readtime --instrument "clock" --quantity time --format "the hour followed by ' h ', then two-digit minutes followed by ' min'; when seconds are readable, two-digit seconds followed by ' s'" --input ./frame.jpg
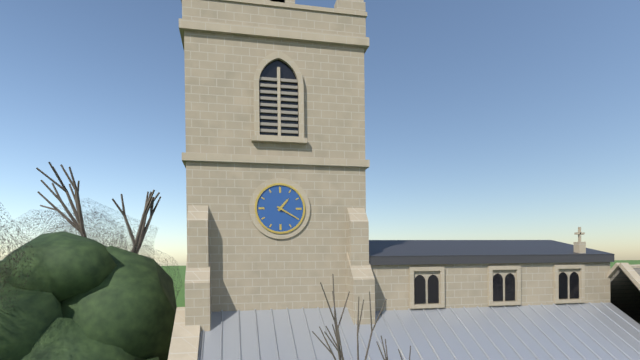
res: 1 h 20 min
